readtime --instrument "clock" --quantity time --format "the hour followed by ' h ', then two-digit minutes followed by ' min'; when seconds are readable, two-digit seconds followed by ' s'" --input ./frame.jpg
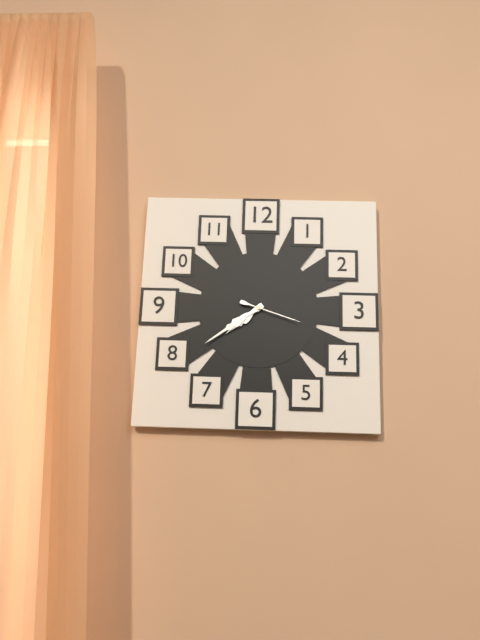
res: 7 h 39 min 18 s
